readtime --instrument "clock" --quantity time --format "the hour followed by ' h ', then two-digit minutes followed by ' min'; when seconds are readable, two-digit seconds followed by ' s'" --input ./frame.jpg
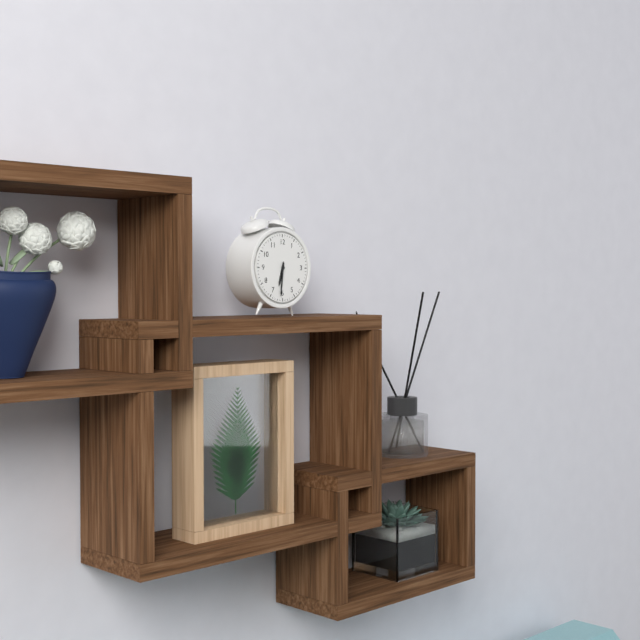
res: 6 h 31 min
